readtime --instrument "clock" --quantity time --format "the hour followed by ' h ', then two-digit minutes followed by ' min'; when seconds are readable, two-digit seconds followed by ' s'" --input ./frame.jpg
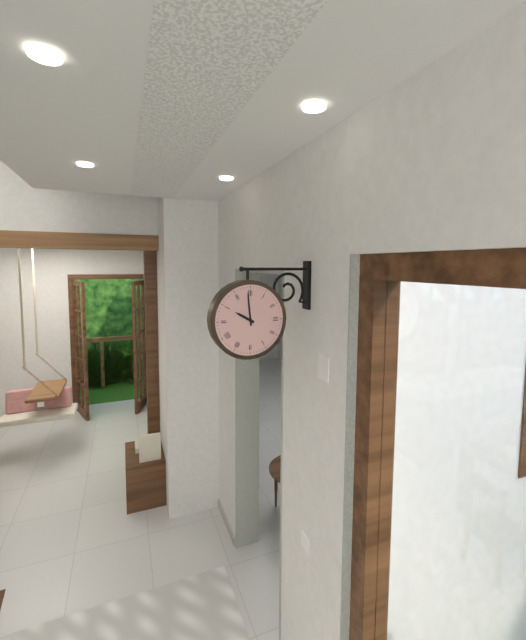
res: 9 h 59 min
